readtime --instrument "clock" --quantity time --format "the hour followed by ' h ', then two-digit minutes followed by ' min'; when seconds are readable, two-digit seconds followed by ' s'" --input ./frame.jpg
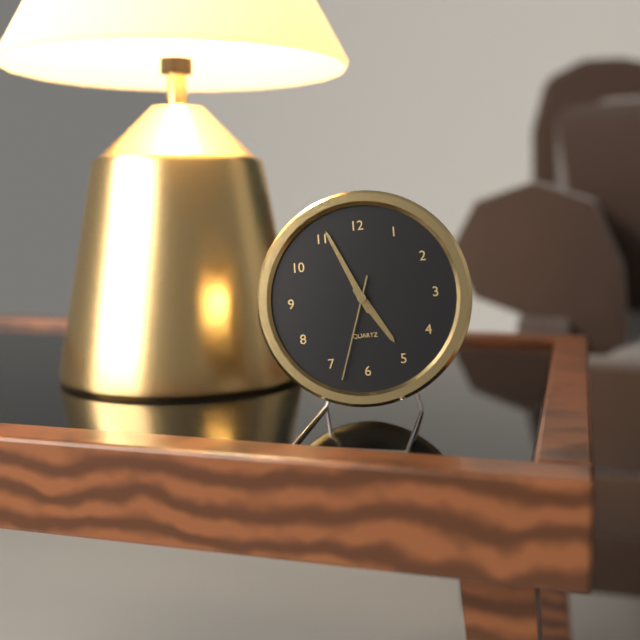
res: 4 h 56 min 33 s
